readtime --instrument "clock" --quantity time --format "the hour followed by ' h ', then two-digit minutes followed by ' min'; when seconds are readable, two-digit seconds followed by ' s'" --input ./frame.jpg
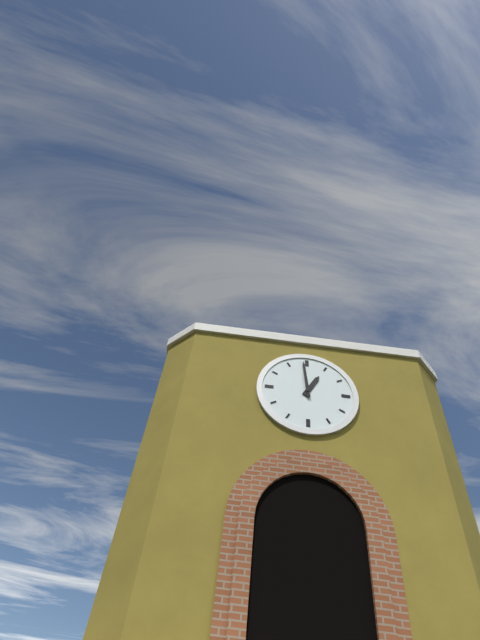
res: 12 h 59 min
